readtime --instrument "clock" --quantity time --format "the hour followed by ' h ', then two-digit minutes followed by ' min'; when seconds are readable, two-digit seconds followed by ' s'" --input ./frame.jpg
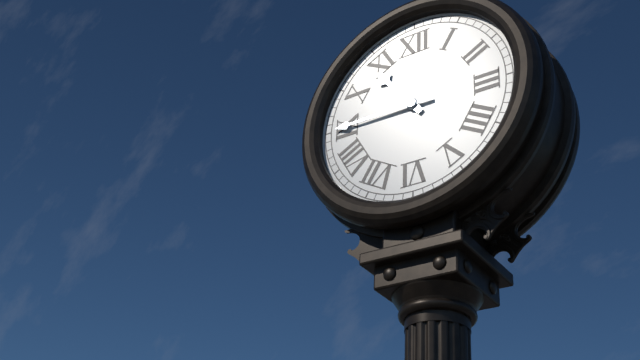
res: 10 h 45 min
